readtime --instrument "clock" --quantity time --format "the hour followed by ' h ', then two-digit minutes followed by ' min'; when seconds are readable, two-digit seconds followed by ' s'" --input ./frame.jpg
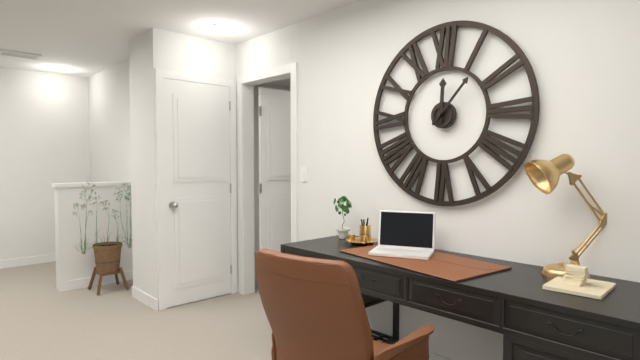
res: 12 h 07 min
